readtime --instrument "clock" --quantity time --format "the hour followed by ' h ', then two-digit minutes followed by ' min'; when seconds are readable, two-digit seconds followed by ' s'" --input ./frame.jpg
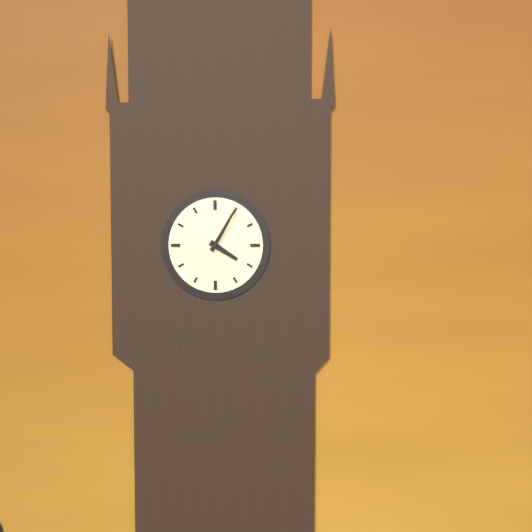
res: 4 h 05 min
